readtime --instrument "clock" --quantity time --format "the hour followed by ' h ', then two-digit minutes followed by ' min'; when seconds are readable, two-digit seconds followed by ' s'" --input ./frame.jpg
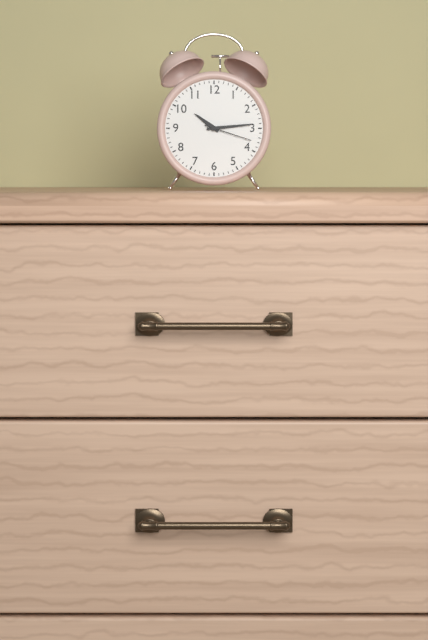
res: 10 h 14 min
